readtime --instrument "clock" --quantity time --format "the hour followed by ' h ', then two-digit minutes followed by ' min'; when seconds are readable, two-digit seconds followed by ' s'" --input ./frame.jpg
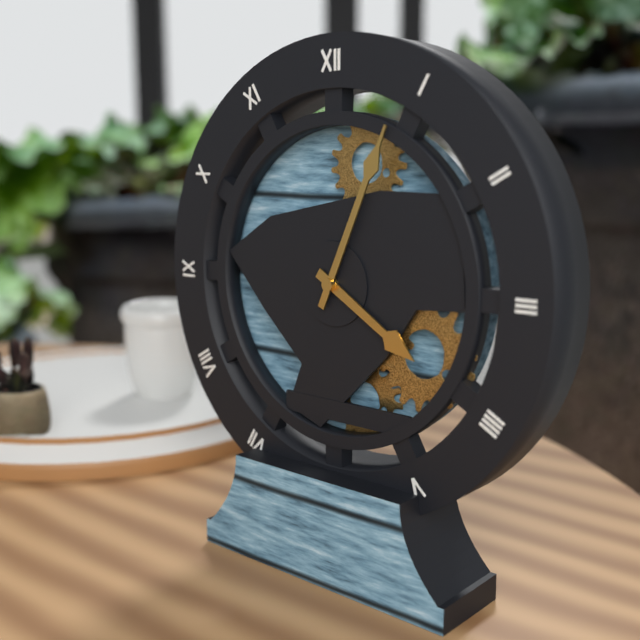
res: 4 h 04 min
